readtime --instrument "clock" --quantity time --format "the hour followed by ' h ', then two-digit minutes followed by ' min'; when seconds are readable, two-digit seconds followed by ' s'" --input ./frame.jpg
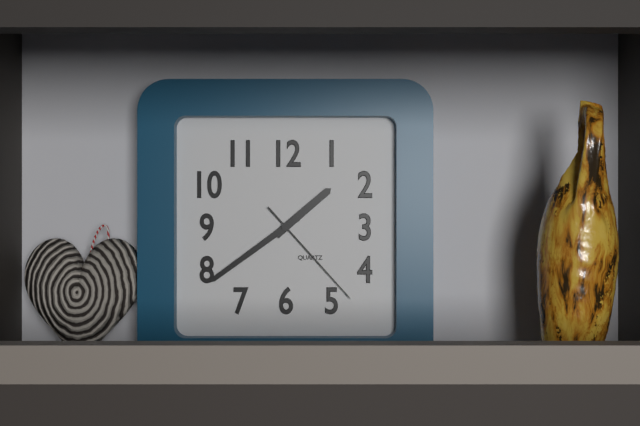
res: 1 h 39 min 23 s
